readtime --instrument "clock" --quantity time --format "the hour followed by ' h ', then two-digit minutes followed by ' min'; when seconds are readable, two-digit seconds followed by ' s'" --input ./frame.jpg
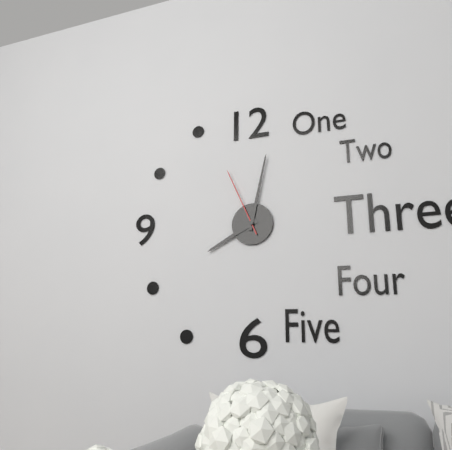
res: 8 h 02 min 56 s
